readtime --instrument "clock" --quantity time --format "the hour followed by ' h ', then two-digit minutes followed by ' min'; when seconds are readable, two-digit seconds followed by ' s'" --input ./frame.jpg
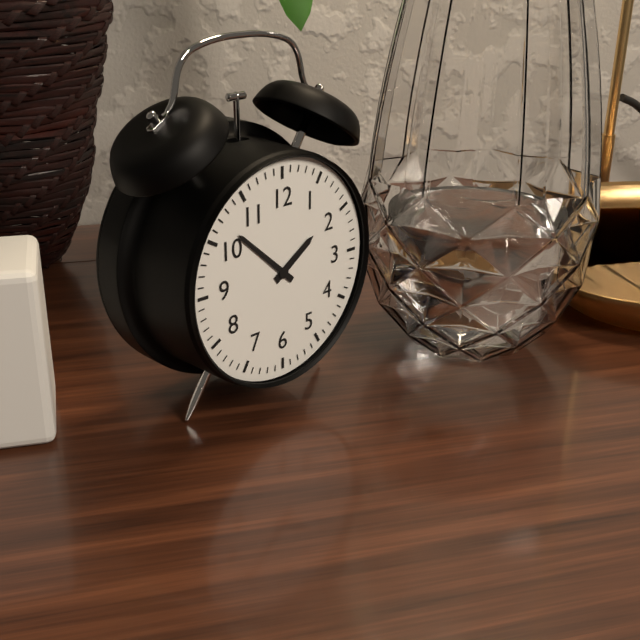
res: 1 h 52 min
